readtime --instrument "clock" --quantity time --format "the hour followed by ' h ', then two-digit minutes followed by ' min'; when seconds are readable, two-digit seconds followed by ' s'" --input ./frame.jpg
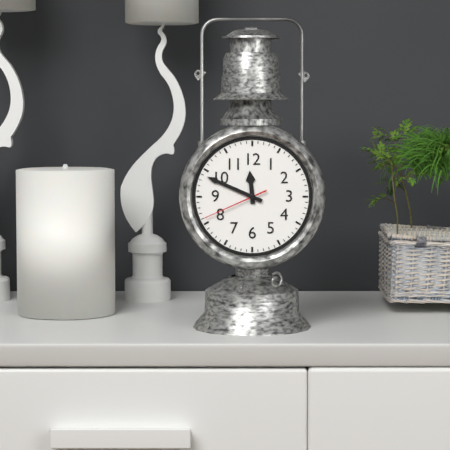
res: 11 h 49 min 41 s
